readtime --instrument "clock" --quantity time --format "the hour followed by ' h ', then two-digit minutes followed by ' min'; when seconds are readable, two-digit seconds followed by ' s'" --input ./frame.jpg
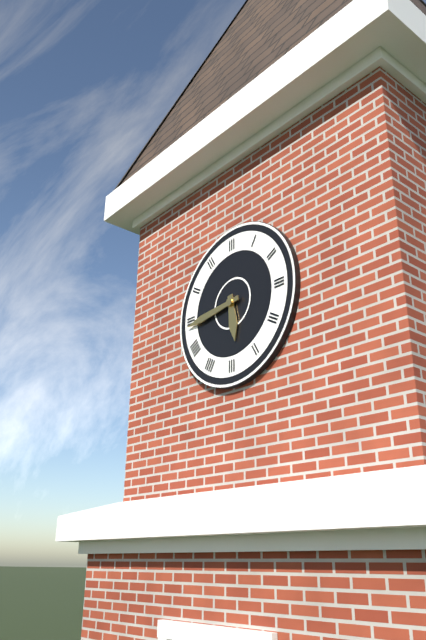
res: 5 h 44 min
